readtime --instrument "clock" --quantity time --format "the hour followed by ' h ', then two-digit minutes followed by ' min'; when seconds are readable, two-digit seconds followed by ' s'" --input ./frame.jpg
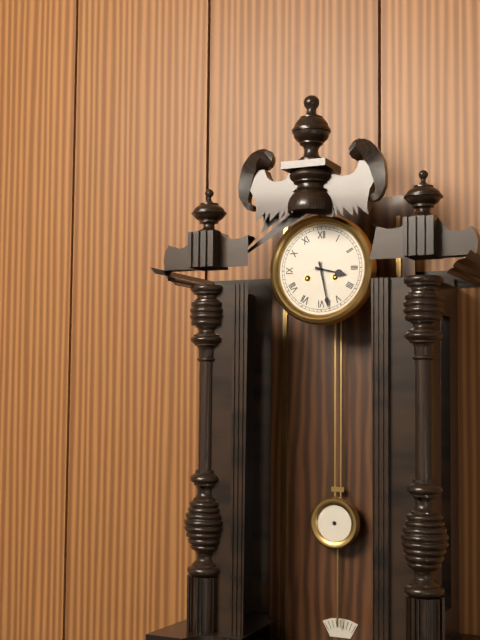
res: 3 h 28 min
